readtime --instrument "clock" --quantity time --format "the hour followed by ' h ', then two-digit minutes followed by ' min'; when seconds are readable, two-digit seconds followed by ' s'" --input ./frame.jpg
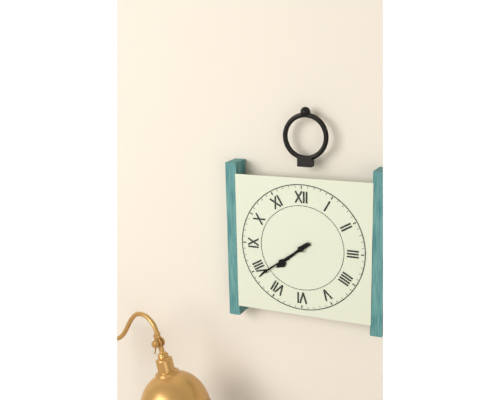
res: 7 h 39 min
